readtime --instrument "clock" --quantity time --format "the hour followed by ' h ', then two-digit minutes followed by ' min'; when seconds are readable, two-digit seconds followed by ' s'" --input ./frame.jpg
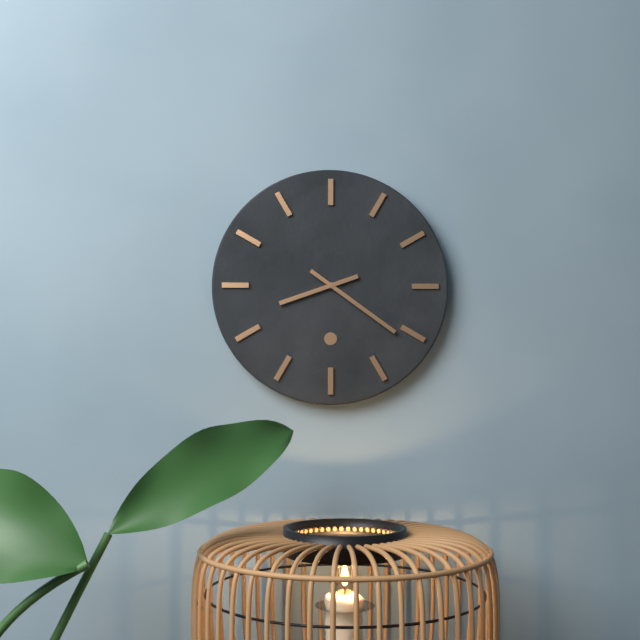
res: 8 h 21 min
